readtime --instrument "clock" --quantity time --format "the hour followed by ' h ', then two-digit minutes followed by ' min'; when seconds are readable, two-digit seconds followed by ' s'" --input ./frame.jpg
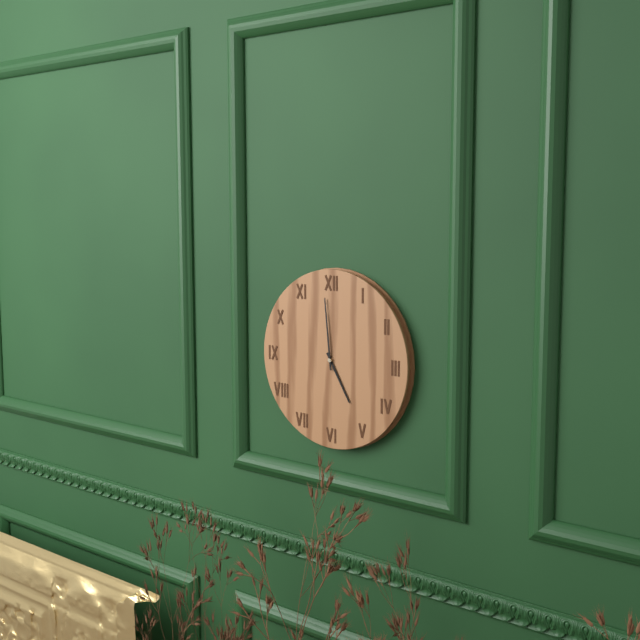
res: 4 h 59 min
